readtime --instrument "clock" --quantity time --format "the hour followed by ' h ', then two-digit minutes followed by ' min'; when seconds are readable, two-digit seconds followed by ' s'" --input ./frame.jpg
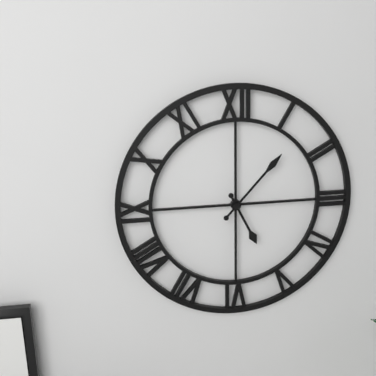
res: 5 h 07 min
